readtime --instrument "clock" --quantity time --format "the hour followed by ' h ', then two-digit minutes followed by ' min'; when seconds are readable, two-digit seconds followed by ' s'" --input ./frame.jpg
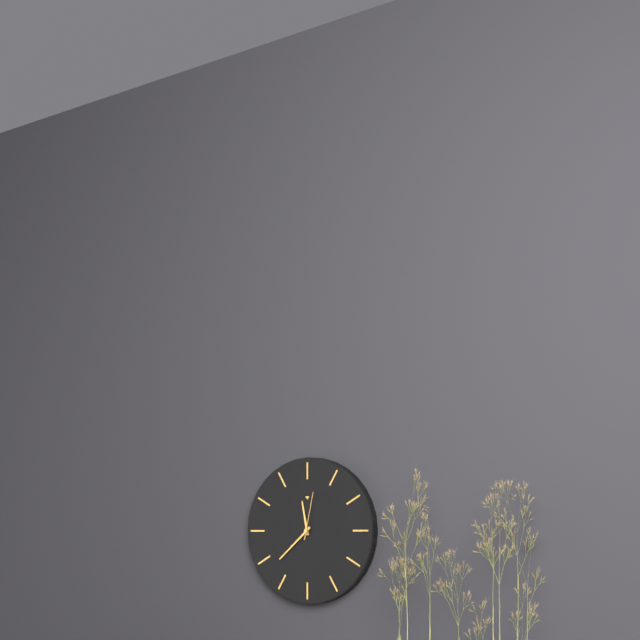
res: 11 h 38 min
